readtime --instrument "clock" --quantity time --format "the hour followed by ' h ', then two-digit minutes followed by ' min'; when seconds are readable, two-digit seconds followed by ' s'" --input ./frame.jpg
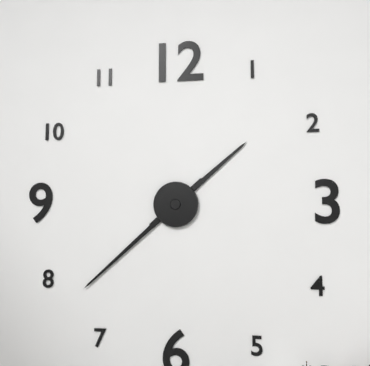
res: 1 h 38 min
